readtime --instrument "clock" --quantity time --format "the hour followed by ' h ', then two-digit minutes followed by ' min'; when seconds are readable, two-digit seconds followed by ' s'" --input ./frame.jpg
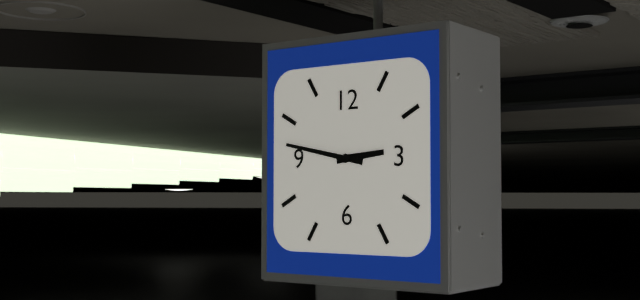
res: 2 h 47 min
